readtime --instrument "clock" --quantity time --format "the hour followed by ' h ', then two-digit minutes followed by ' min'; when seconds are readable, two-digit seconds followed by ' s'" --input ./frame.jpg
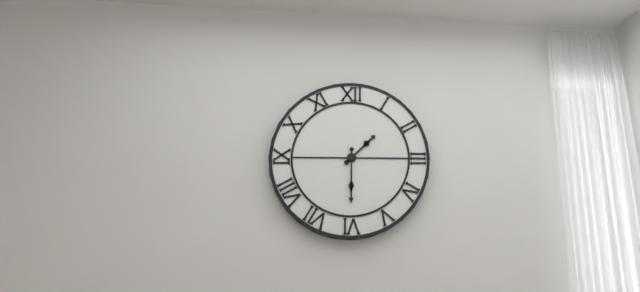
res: 1 h 30 min
